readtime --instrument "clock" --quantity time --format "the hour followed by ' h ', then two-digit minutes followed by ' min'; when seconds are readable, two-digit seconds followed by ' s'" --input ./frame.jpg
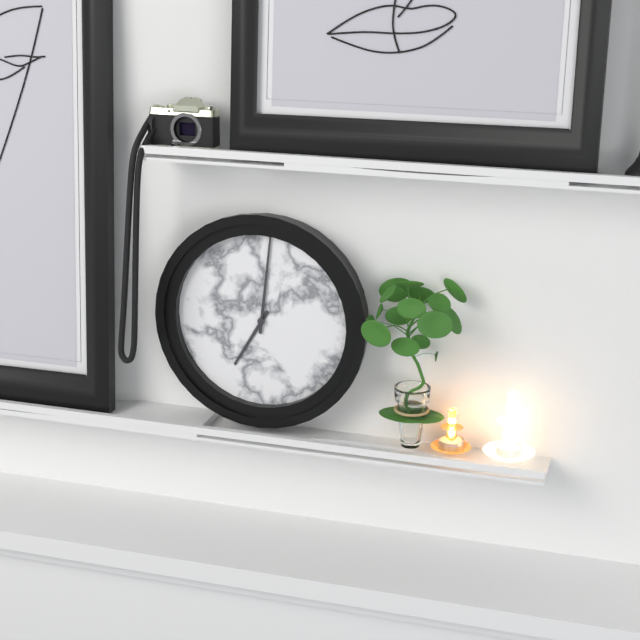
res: 7 h 01 min
